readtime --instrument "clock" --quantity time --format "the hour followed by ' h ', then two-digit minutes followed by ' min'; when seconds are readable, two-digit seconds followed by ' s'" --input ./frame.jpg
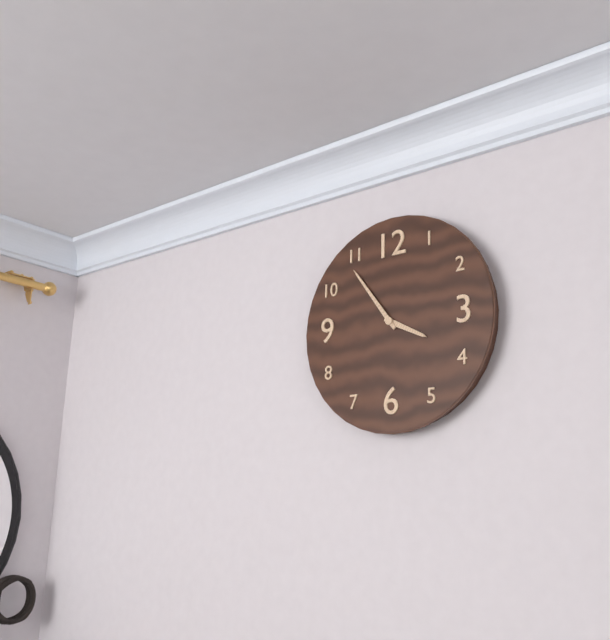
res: 3 h 54 min
